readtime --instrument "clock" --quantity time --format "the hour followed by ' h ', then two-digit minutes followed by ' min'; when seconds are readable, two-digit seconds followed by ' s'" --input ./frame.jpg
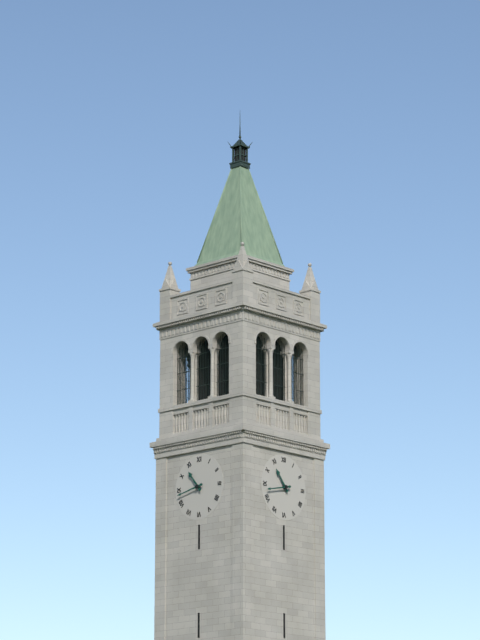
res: 10 h 43 min
